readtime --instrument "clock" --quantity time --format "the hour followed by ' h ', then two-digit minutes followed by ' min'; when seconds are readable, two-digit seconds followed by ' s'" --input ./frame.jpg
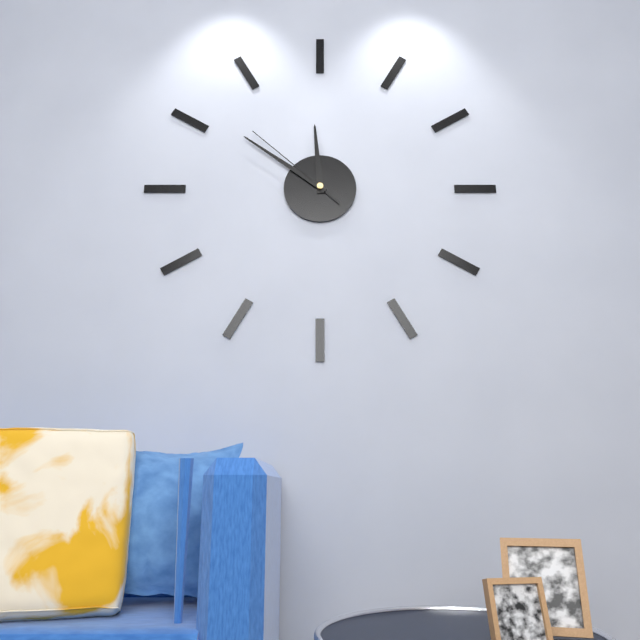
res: 11 h 51 min 52 s
